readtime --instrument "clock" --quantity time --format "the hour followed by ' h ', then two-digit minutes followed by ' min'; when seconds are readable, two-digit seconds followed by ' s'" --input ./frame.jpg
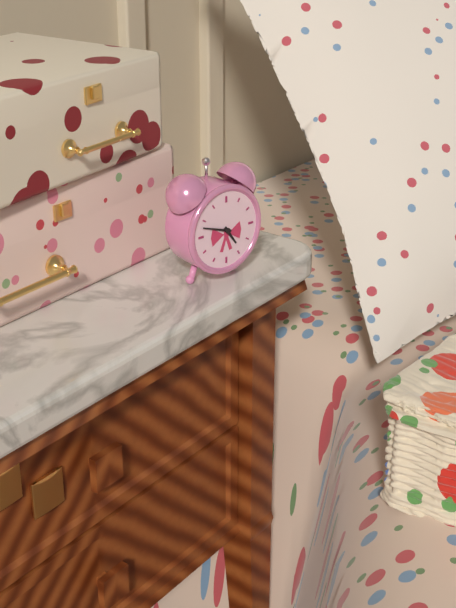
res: 4 h 48 min
